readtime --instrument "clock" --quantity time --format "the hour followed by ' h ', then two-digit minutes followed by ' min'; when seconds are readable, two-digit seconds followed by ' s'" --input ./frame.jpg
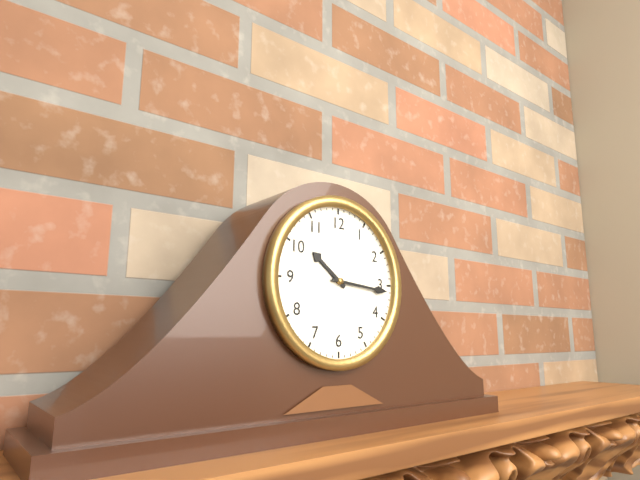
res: 10 h 16 min
